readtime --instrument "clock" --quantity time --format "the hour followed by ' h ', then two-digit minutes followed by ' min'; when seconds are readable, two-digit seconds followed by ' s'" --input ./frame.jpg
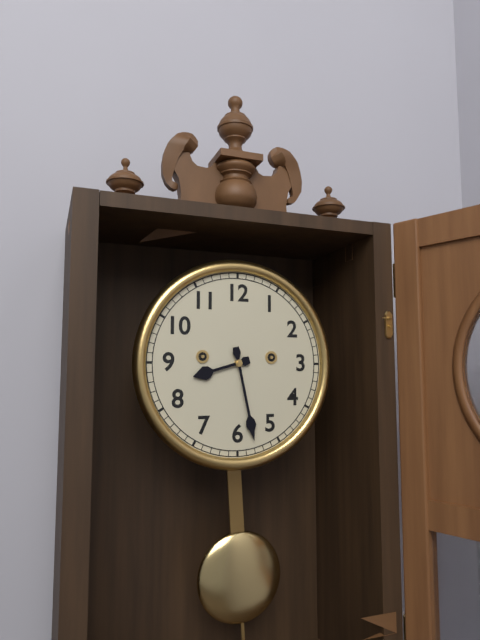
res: 8 h 28 min
